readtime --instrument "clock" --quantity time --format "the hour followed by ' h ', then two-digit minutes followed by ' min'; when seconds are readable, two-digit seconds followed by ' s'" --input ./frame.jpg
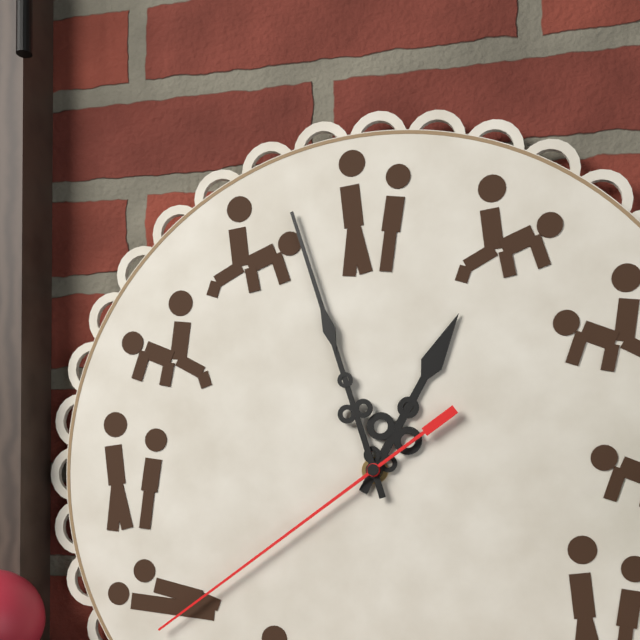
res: 12 h 57 min 39 s
